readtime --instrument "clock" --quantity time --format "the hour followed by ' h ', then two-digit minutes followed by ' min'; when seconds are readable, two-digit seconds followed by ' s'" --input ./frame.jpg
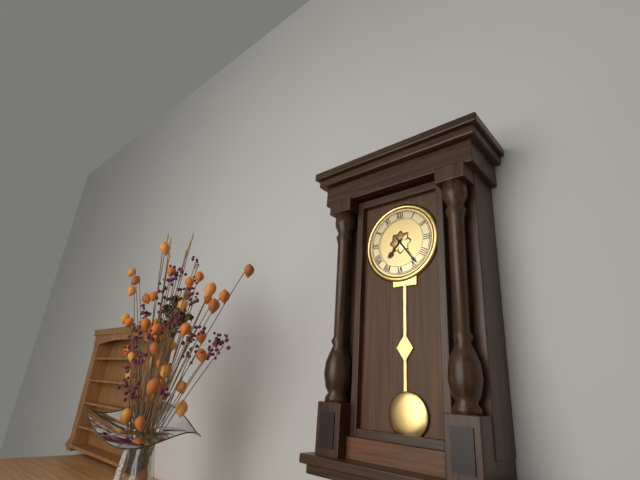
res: 7 h 24 min
